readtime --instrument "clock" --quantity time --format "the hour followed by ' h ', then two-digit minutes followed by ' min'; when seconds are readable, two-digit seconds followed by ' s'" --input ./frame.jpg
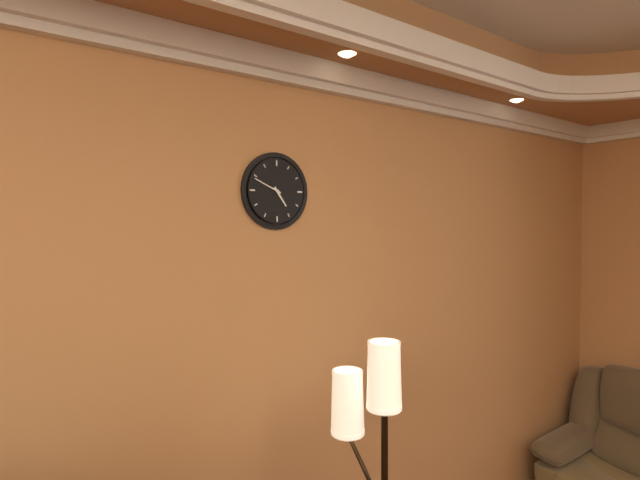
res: 4 h 49 min
